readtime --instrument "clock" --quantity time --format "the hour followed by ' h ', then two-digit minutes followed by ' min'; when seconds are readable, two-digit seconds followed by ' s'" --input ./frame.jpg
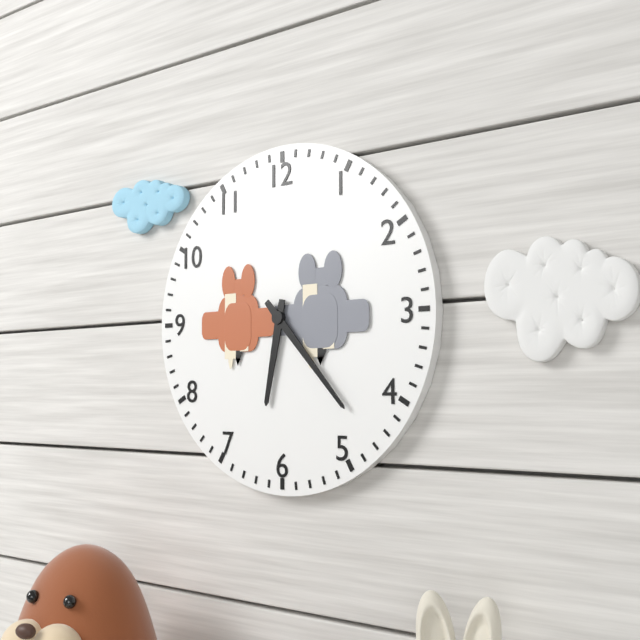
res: 6 h 23 min
